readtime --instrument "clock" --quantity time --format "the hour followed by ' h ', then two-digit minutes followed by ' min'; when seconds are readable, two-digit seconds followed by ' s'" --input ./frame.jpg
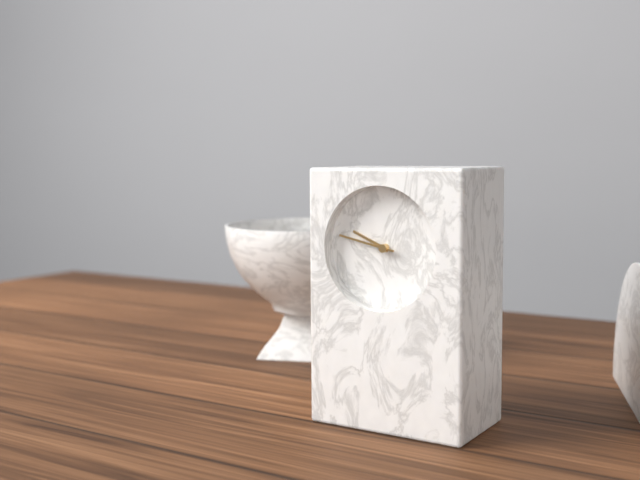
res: 9 h 47 min
